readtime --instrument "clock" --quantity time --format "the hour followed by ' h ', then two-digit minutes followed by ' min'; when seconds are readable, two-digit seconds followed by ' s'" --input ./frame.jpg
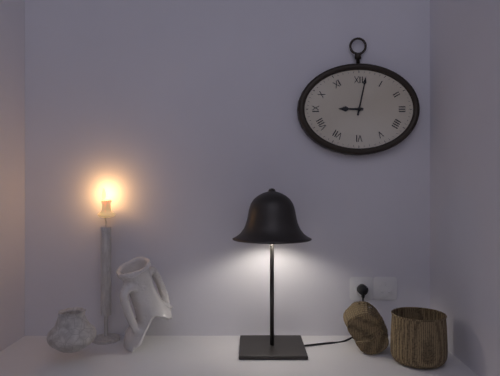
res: 9 h 02 min
